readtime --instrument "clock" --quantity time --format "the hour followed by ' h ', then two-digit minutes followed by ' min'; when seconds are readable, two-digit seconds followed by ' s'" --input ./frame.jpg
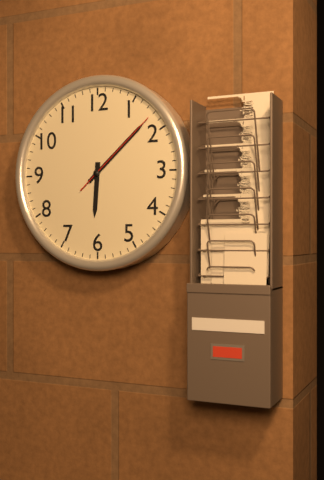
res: 6 h 08 min 08 s
